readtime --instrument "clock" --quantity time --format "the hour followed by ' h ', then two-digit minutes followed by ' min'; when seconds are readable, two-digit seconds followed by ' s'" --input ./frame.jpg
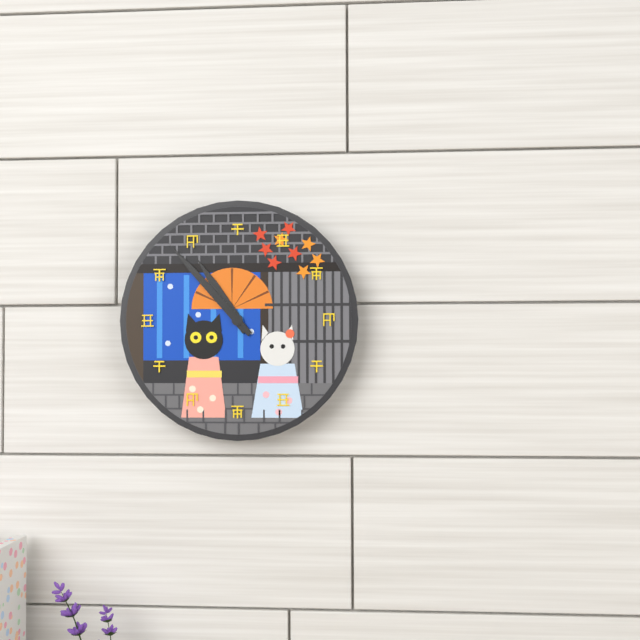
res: 10 h 53 min
